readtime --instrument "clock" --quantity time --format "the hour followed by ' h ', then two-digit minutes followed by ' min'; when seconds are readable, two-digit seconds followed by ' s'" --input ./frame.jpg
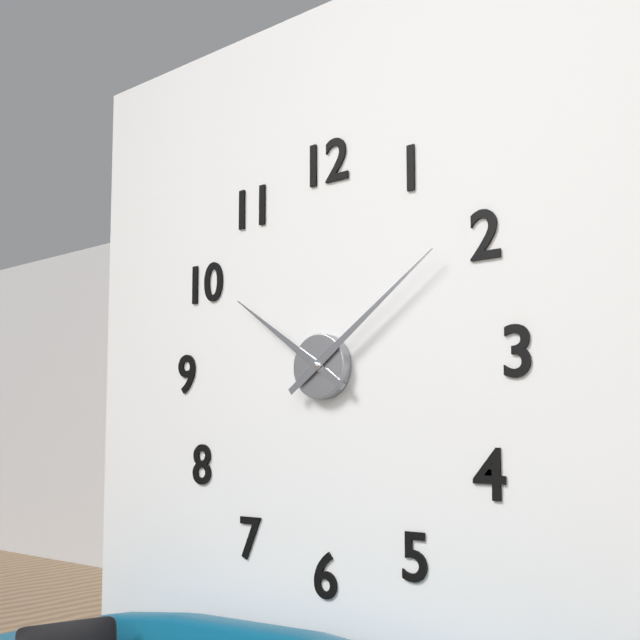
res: 10 h 09 min
